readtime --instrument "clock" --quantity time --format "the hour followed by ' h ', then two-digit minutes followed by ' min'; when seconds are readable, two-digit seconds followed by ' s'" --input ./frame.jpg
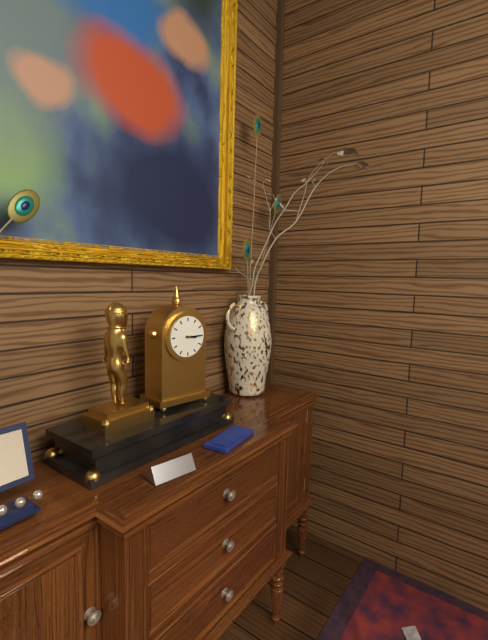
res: 3 h 15 min
